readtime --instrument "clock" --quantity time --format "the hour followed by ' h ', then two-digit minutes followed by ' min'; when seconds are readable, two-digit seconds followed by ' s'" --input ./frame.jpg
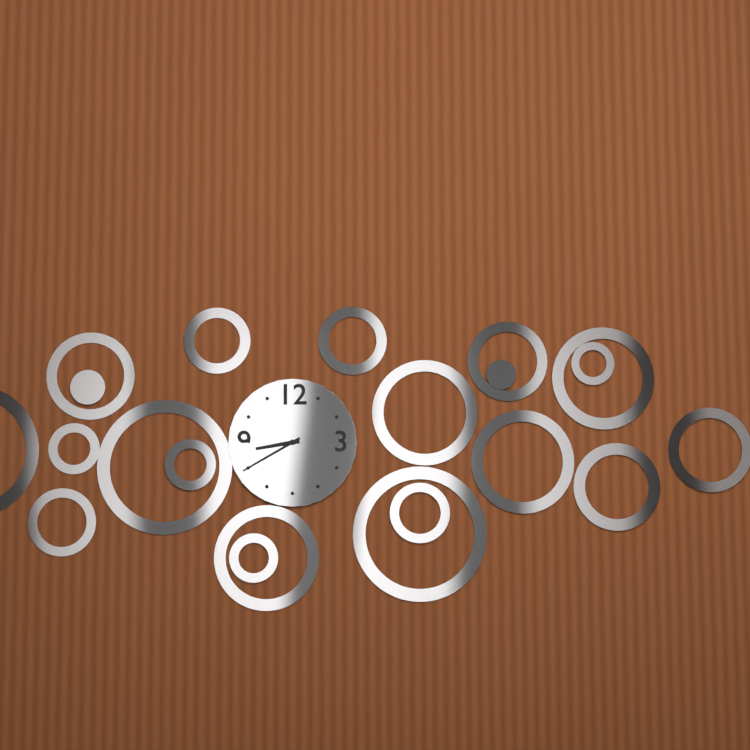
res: 8 h 40 min
